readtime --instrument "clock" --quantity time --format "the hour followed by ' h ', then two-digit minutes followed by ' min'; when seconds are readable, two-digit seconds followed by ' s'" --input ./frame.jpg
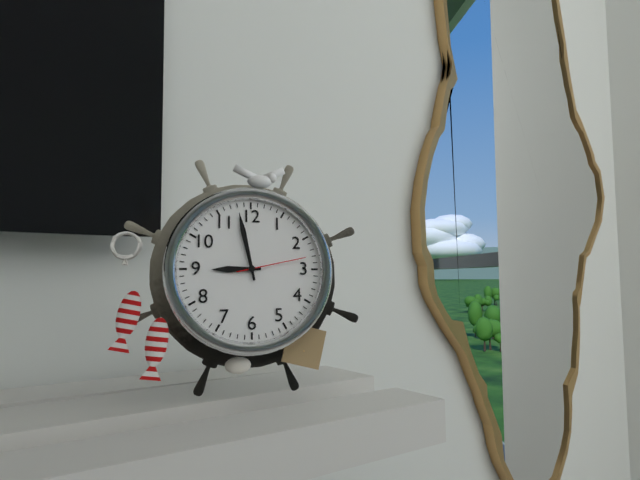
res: 8 h 58 min 13 s
